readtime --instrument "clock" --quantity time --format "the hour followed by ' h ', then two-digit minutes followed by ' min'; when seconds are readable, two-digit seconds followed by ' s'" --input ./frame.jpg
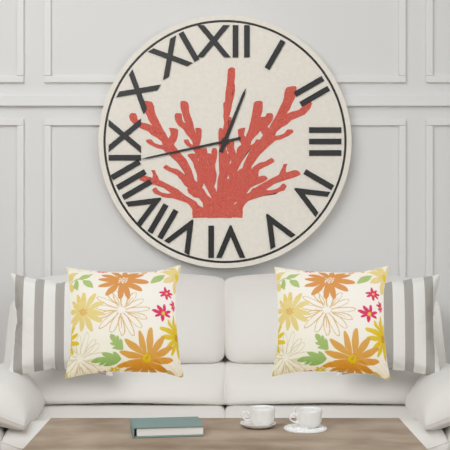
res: 12 h 43 min
